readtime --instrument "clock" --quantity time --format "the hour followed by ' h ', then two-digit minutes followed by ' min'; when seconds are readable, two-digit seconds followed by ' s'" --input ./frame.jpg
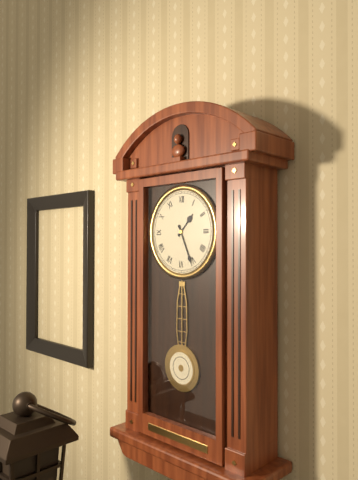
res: 1 h 26 min
